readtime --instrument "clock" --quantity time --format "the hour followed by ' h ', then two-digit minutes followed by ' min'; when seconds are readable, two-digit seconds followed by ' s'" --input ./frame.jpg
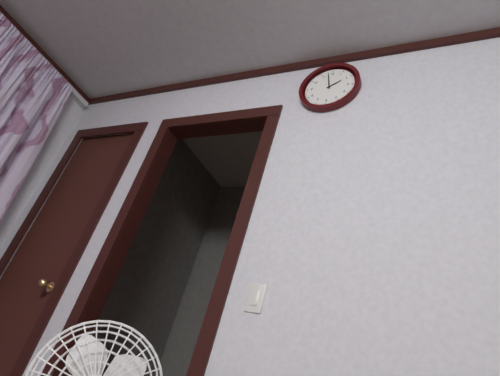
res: 1 h 58 min
